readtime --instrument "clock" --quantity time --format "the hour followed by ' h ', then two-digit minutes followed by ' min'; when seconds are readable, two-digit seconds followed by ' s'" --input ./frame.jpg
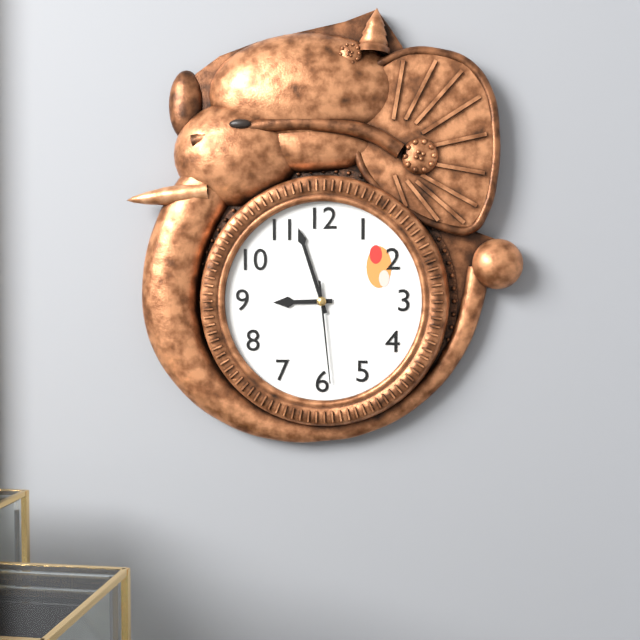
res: 8 h 57 min 29 s
